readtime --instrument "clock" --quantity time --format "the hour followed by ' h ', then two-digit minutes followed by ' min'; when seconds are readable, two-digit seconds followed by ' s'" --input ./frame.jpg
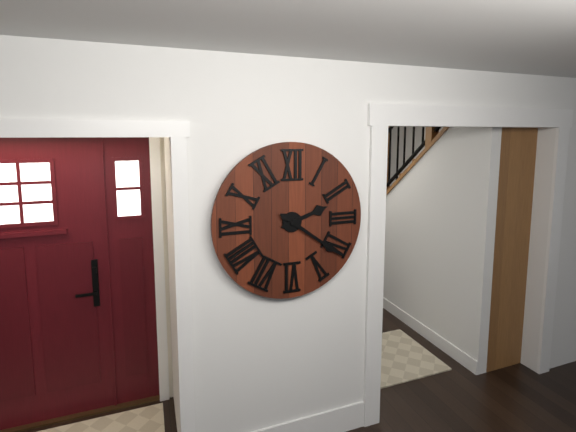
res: 2 h 21 min
